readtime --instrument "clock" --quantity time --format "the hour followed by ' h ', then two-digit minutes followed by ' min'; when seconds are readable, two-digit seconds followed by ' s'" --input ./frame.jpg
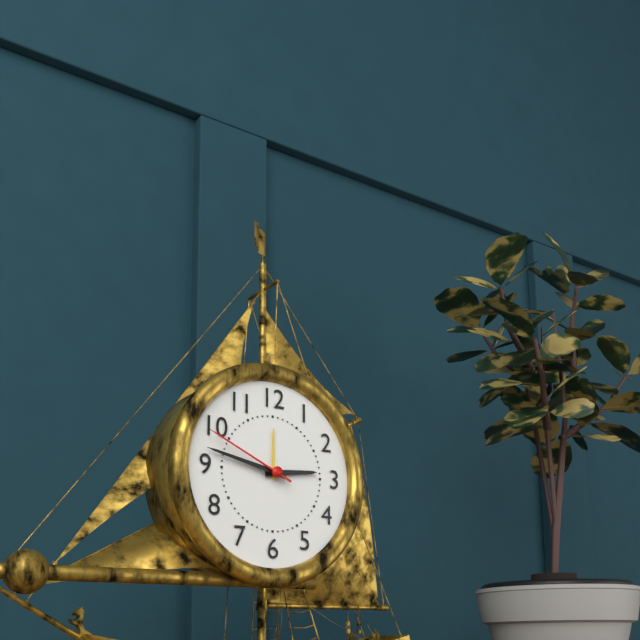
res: 2 h 47 min 49 s
